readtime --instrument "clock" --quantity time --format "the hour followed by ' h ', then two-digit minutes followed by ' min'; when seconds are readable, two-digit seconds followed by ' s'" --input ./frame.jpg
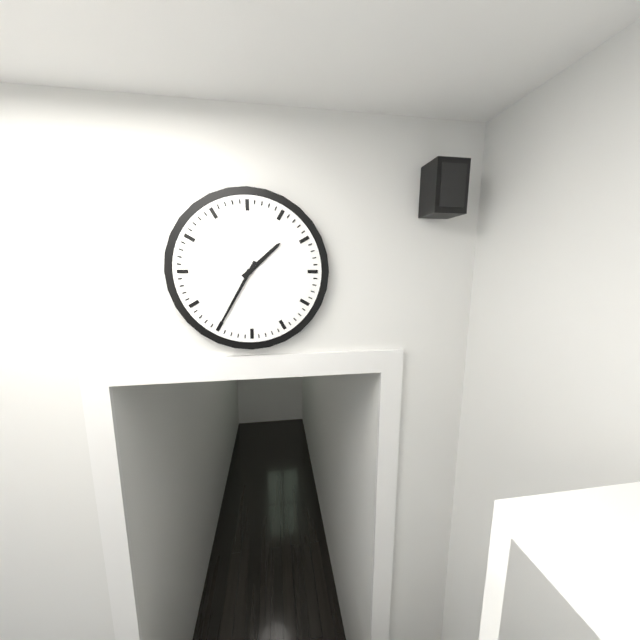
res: 1 h 35 min
